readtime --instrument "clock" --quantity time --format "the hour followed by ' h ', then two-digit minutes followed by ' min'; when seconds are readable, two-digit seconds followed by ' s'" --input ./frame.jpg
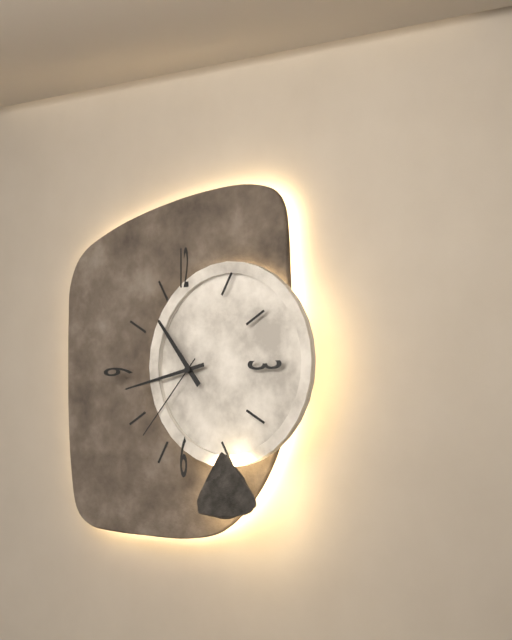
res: 10 h 43 min 37 s
